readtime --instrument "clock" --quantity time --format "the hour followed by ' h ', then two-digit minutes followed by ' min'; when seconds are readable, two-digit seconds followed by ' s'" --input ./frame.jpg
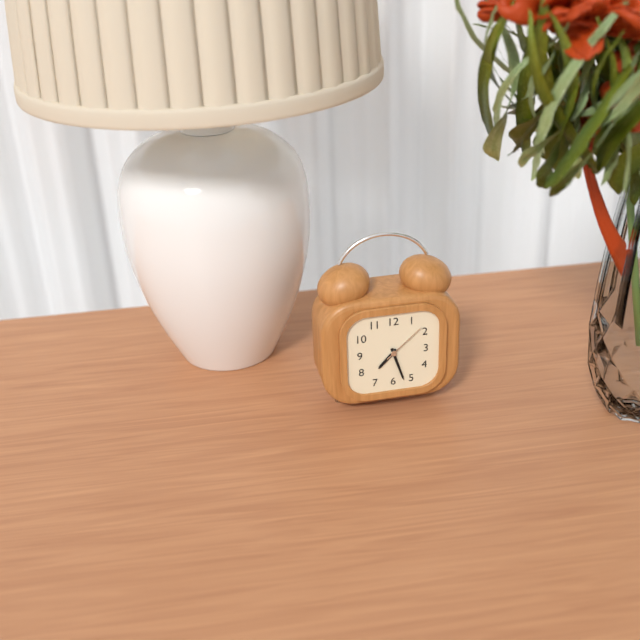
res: 7 h 27 min
